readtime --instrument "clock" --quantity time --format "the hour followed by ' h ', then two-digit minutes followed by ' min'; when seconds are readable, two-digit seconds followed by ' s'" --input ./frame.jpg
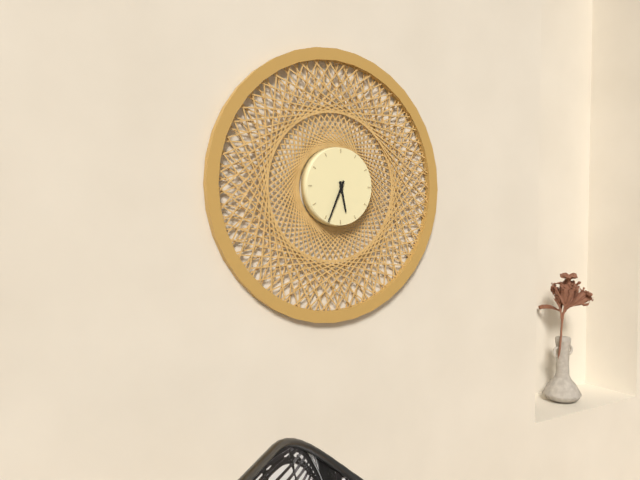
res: 5 h 34 min
